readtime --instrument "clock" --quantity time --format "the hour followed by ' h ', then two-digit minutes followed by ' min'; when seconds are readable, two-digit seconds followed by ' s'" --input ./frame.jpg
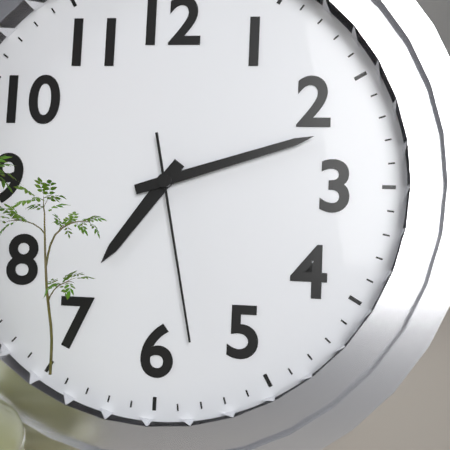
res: 7 h 12 min 28 s
